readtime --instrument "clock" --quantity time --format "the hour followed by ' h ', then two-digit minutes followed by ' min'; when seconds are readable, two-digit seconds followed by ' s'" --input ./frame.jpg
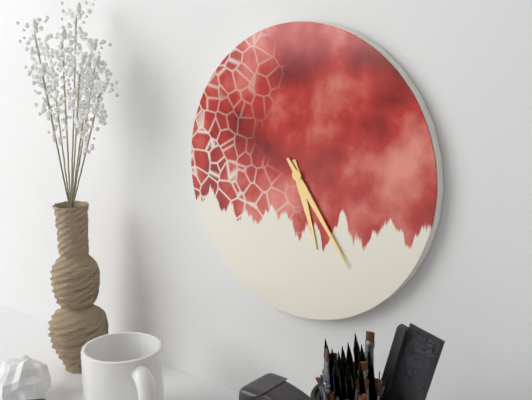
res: 5 h 24 min
